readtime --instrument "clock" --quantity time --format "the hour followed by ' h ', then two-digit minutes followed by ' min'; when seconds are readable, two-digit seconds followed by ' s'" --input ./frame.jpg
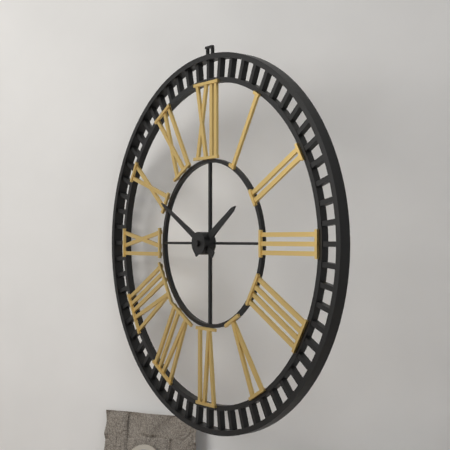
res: 1 h 50 min
